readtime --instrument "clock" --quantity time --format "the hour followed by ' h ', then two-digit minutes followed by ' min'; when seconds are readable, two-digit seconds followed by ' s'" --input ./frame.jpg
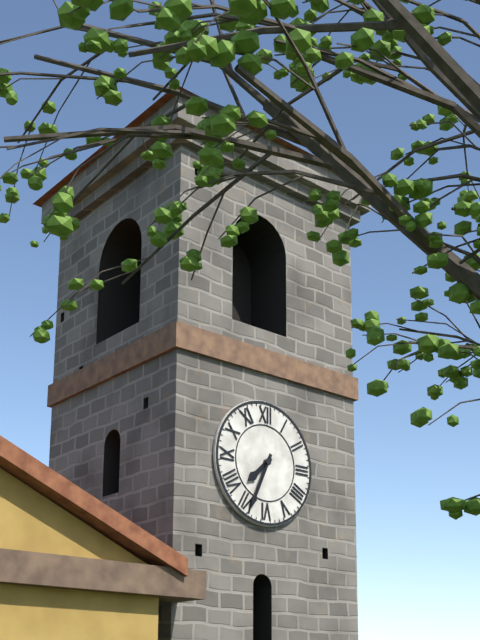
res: 7 h 34 min
